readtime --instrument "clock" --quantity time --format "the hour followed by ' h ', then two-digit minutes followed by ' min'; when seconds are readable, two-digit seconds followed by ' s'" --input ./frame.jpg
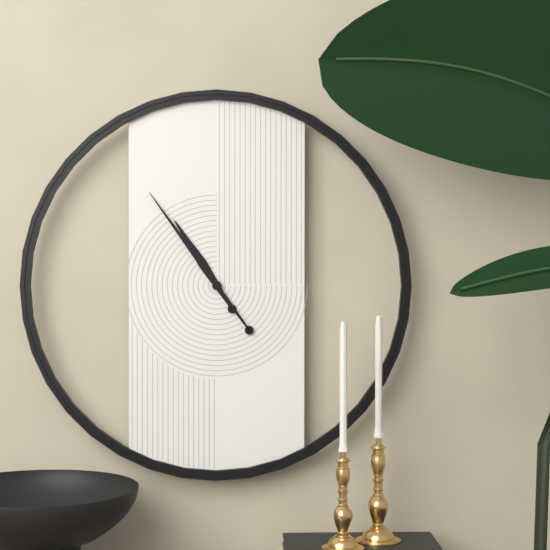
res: 10 h 54 min
